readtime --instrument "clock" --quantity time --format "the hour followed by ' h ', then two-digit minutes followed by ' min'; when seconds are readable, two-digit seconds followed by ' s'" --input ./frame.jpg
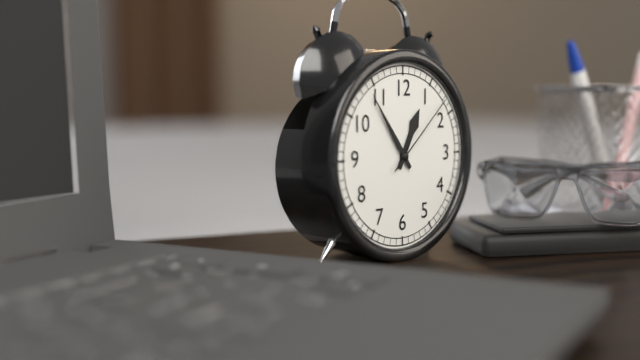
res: 12 h 54 min 08 s
